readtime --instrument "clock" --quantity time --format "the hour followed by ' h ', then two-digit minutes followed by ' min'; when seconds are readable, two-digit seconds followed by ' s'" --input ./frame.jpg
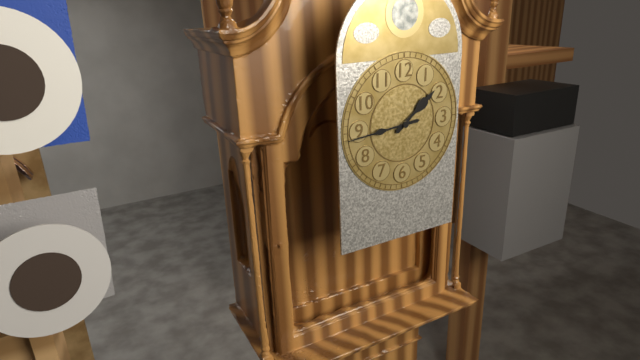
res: 1 h 44 min
